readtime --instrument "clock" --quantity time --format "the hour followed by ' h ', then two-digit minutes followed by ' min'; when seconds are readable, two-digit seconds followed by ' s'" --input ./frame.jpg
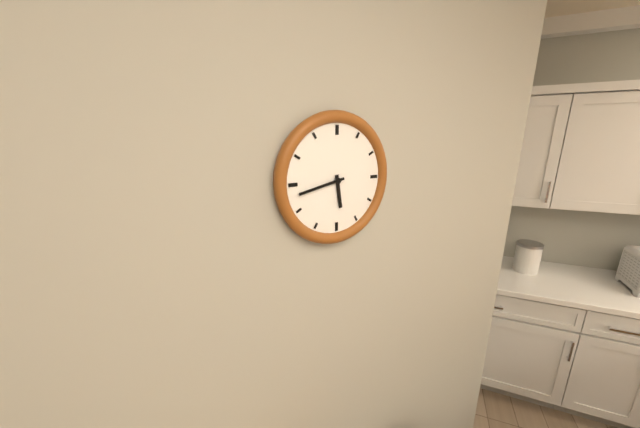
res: 5 h 43 min
